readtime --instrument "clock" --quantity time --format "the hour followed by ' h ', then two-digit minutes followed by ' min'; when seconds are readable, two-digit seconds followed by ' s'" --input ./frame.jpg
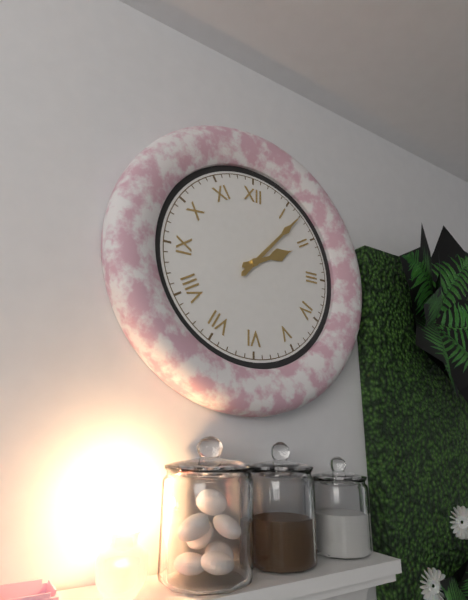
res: 2 h 07 min
